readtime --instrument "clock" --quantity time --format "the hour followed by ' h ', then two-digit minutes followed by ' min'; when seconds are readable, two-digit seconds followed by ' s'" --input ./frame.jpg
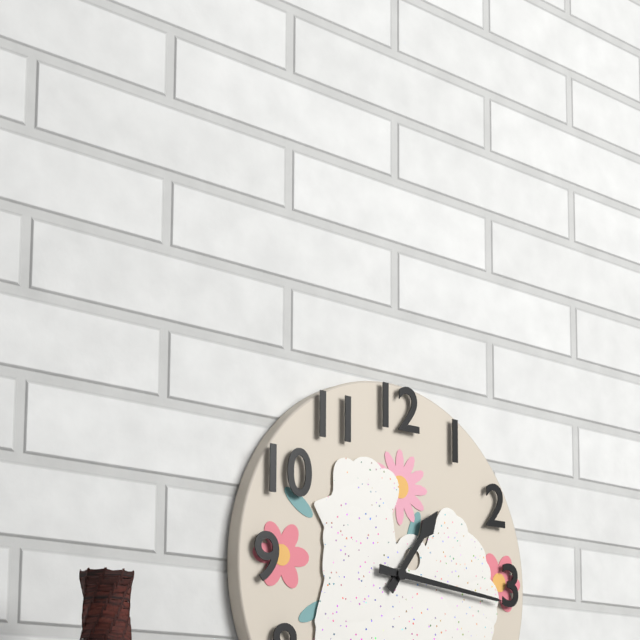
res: 1 h 16 min
